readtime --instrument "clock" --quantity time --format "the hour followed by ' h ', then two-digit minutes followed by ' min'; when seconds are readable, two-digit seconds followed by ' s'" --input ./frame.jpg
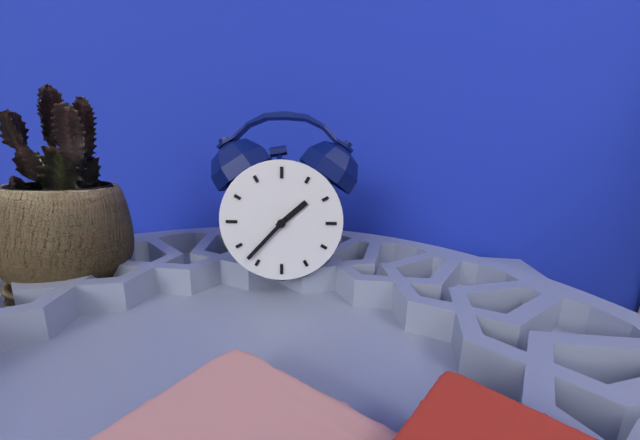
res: 1 h 37 min
